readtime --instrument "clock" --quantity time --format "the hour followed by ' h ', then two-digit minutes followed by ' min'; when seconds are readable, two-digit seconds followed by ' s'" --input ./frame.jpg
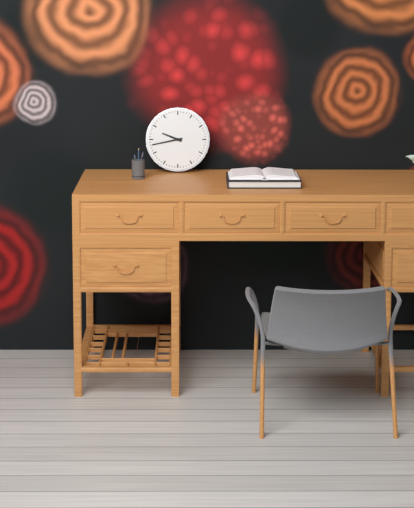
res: 9 h 43 min
